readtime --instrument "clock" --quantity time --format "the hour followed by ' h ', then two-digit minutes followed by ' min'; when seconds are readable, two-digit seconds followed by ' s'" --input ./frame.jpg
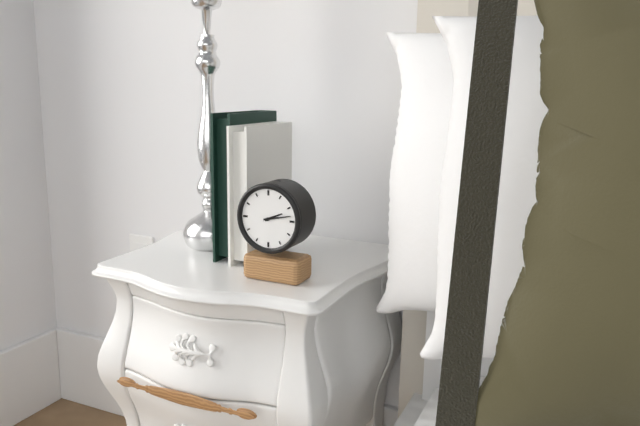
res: 2 h 13 min
